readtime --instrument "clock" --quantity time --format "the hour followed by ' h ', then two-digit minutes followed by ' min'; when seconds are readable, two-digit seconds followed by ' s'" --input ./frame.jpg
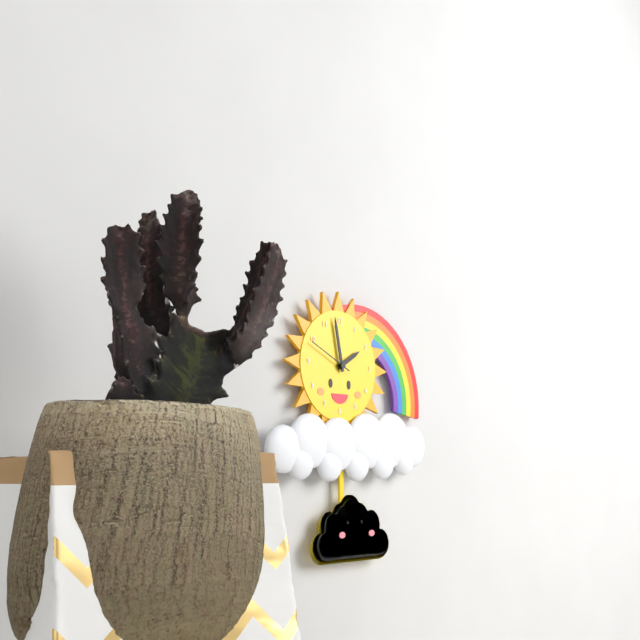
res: 1 h 58 min
